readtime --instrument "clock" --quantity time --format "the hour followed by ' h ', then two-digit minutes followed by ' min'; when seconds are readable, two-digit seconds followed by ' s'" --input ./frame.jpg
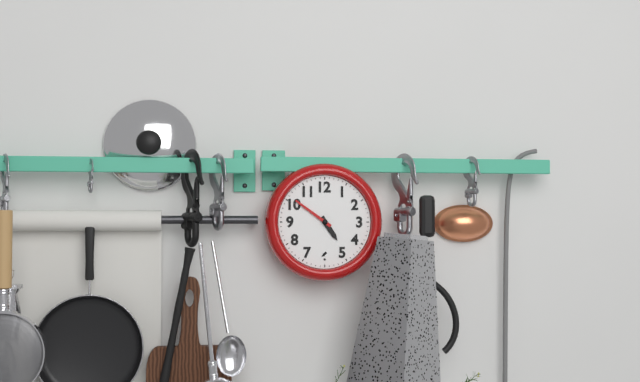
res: 4 h 51 min
